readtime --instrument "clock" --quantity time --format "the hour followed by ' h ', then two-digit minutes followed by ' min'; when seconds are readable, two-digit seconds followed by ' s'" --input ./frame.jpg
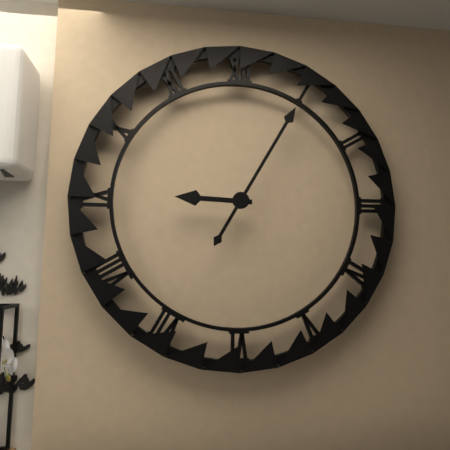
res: 9 h 05 min
